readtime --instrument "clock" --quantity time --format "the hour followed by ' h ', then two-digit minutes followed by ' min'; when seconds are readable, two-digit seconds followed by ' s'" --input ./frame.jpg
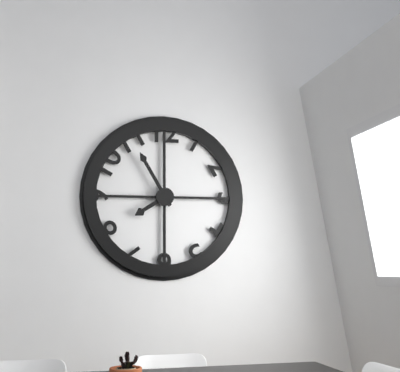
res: 7 h 55 min
